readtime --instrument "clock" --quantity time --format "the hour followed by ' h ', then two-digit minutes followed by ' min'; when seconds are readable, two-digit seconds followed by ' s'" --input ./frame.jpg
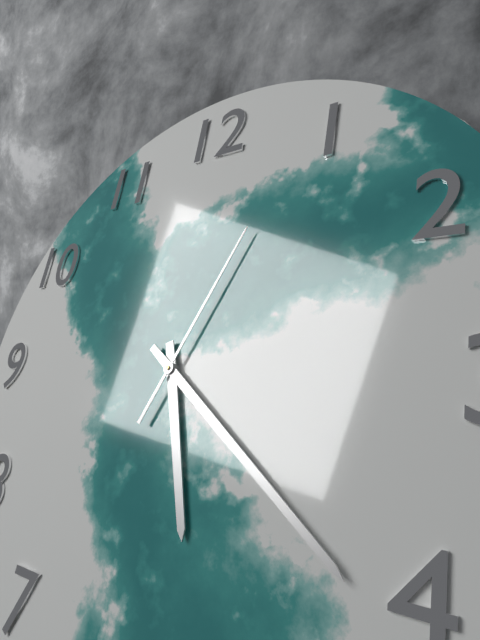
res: 5 h 21 min 04 s
